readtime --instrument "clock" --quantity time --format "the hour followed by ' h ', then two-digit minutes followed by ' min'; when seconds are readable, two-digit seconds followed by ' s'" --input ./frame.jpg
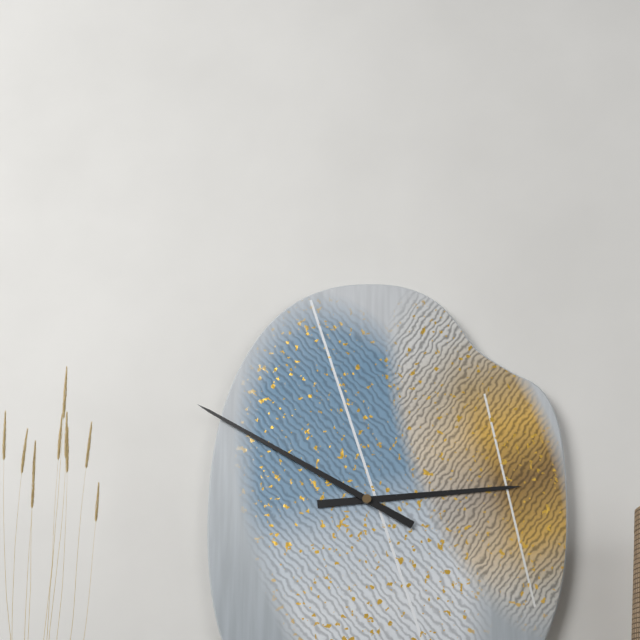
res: 2 h 50 min
